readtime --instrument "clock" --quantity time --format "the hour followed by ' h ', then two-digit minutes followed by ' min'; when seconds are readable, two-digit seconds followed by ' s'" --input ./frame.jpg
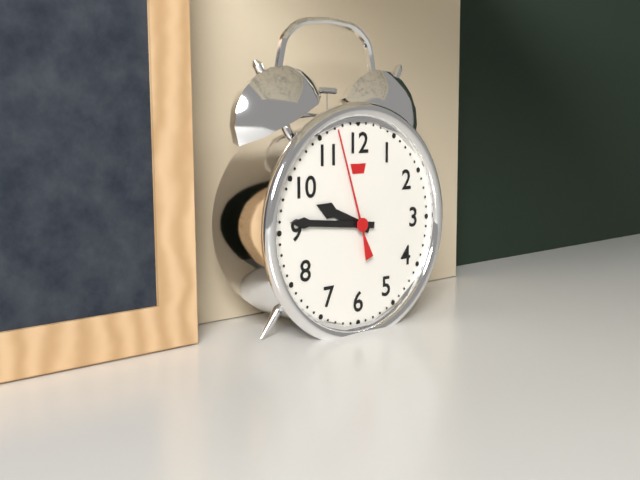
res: 9 h 46 min 57 s
